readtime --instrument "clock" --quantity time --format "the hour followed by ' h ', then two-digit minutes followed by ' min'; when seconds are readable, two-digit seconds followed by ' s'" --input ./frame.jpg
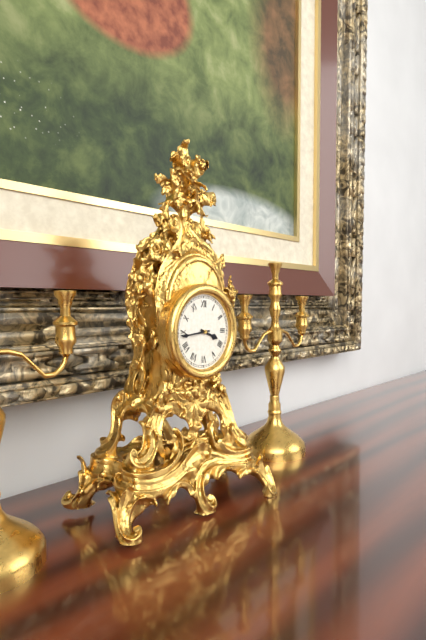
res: 3 h 44 min
